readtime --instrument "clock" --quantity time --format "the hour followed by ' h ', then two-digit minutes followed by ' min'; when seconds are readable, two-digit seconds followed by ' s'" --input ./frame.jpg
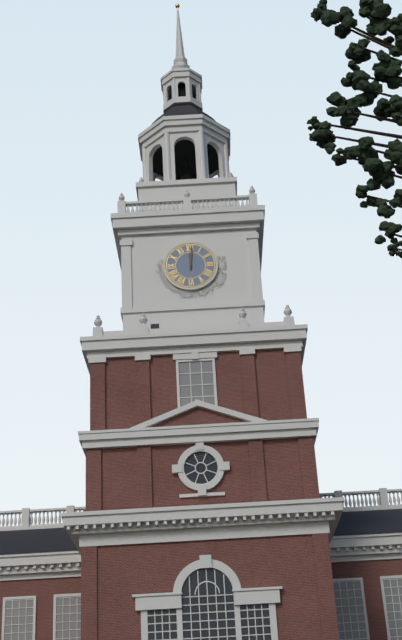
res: 12 h 01 min
